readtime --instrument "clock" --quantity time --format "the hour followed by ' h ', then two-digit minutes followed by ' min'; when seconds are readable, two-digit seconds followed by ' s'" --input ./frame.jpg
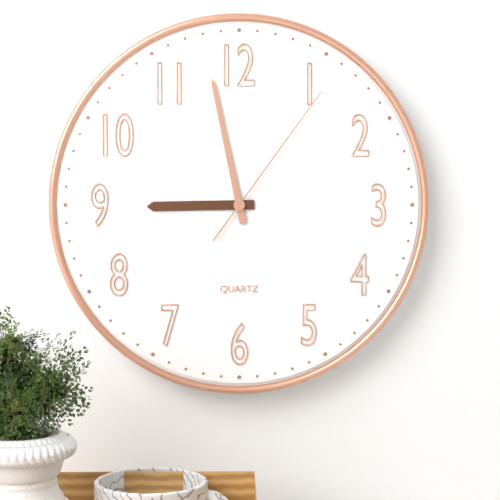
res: 8 h 58 min 06 s
